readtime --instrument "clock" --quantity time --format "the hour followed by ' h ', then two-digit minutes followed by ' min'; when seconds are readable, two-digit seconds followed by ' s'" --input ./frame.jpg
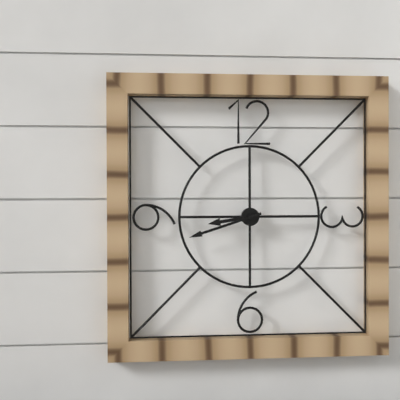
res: 8 h 42 min
